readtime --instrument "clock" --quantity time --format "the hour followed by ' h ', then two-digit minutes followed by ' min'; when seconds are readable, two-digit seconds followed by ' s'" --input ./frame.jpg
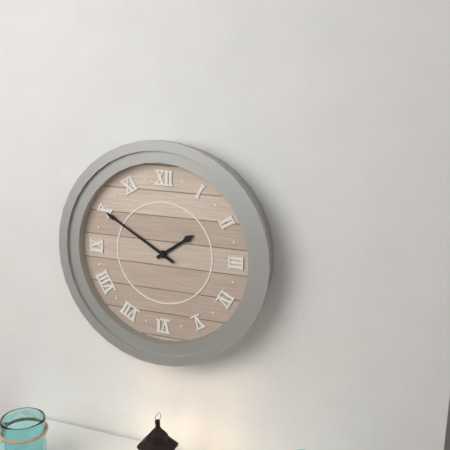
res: 1 h 50 min
